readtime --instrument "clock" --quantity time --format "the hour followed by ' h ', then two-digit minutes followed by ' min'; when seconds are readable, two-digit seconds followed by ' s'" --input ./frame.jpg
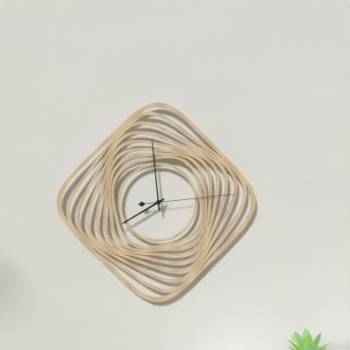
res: 7 h 59 min 14 s
